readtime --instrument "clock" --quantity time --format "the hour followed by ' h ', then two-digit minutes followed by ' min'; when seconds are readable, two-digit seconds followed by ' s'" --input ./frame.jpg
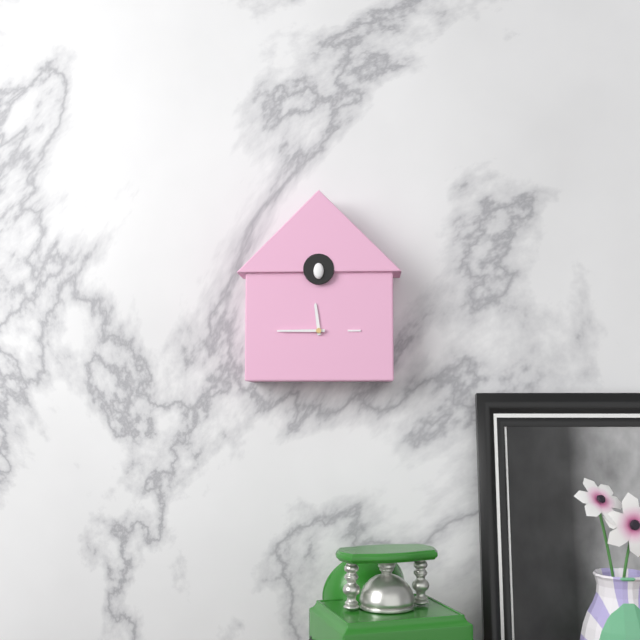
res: 11 h 45 min
